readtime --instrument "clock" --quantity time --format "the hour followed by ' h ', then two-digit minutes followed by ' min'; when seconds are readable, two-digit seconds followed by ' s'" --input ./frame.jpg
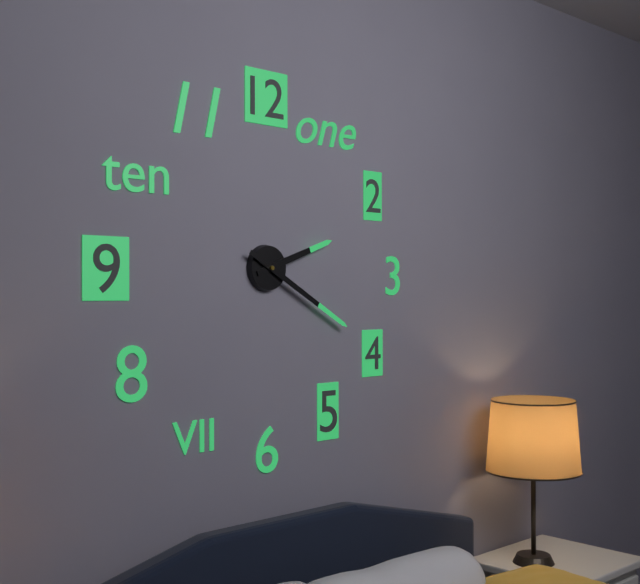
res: 2 h 20 min
